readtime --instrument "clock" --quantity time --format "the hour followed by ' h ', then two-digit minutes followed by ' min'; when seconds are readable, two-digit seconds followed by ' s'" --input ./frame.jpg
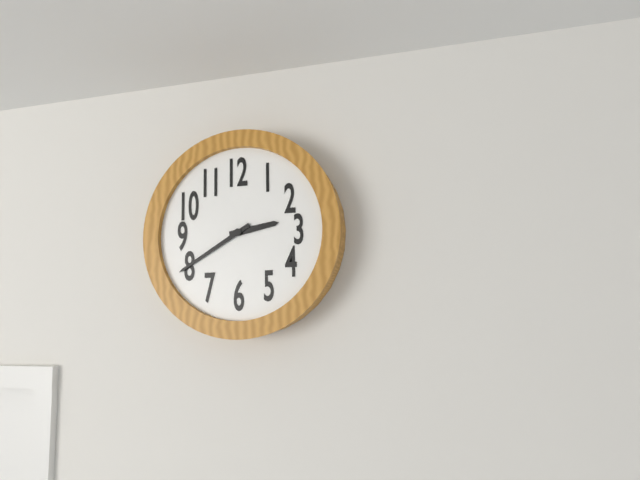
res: 2 h 40 min
